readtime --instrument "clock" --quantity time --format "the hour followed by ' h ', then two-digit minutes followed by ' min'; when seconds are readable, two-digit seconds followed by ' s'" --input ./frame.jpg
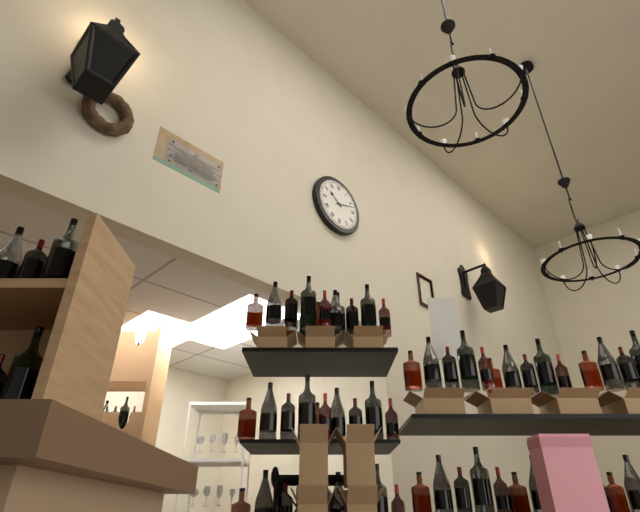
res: 10 h 12 min
